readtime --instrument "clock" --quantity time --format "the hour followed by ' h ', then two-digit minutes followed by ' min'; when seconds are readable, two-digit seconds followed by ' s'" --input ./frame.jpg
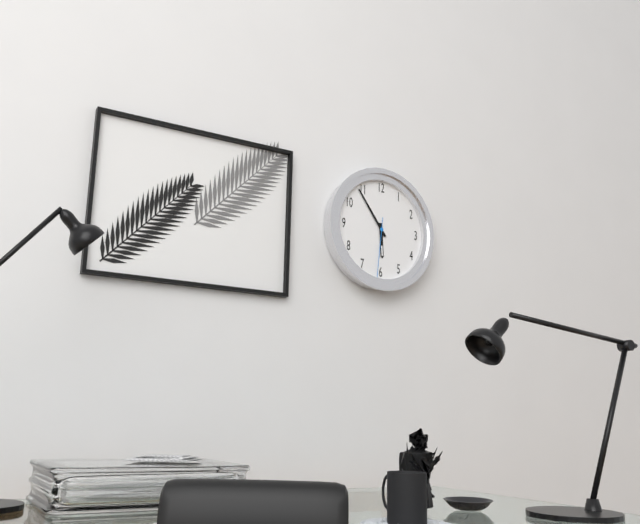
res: 5 h 54 min 31 s
